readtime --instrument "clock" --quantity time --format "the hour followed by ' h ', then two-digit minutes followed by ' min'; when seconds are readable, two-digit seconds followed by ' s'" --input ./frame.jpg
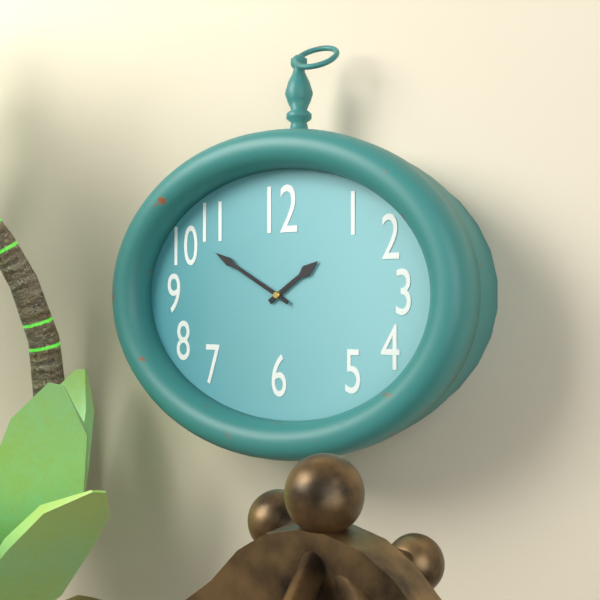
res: 1 h 50 min
